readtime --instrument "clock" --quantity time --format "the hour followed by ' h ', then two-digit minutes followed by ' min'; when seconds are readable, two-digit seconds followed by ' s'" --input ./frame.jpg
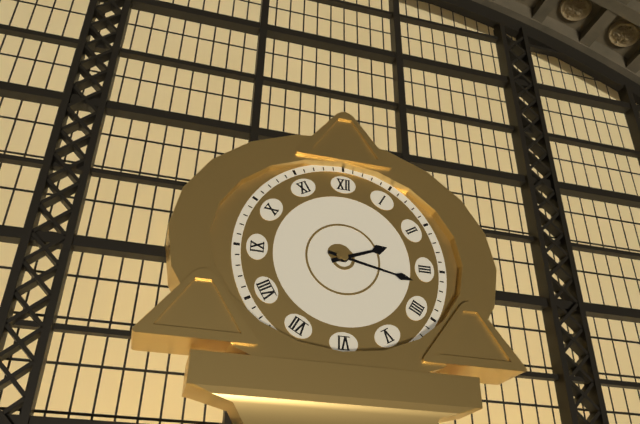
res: 2 h 17 min
